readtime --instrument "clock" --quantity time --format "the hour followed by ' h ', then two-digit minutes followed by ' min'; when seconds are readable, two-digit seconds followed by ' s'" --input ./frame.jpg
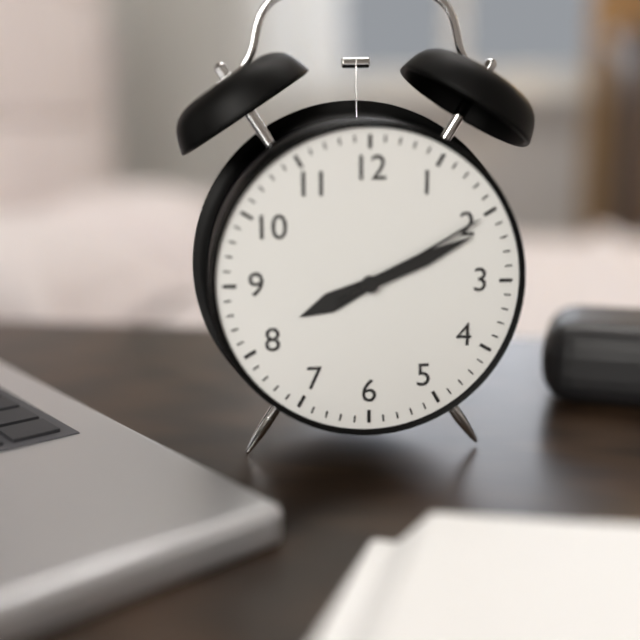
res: 8 h 11 min 10 s
